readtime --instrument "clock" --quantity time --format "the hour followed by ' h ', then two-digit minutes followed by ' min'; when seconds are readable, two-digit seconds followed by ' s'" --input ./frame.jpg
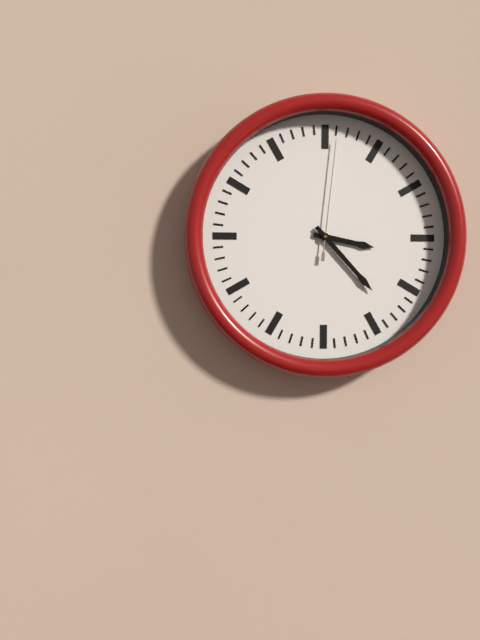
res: 3 h 23 min 01 s
